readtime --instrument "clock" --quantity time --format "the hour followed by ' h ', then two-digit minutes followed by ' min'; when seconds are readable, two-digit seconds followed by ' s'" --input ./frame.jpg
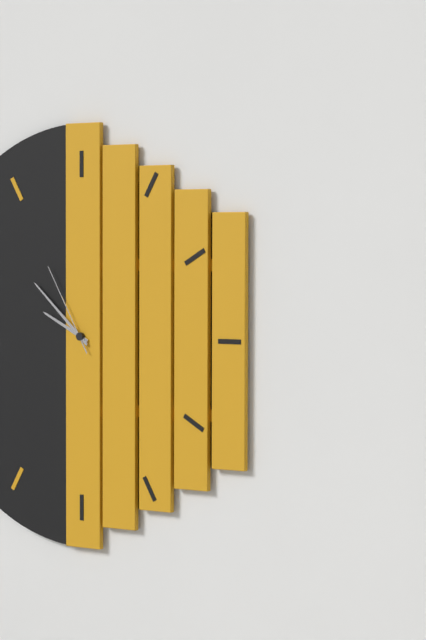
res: 9 h 52 min 55 s
